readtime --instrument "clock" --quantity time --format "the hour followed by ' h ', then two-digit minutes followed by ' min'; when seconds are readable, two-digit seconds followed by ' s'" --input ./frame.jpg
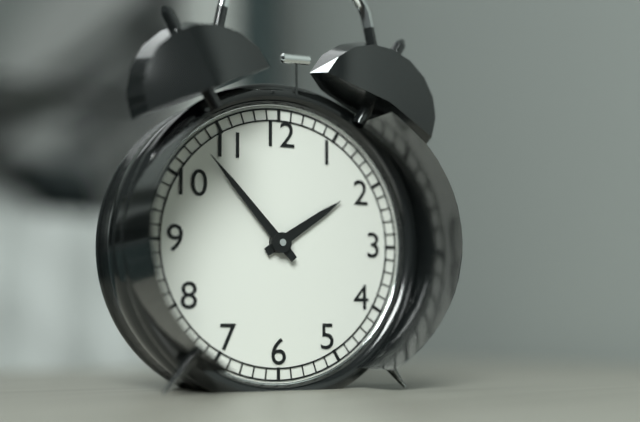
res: 1 h 53 min
